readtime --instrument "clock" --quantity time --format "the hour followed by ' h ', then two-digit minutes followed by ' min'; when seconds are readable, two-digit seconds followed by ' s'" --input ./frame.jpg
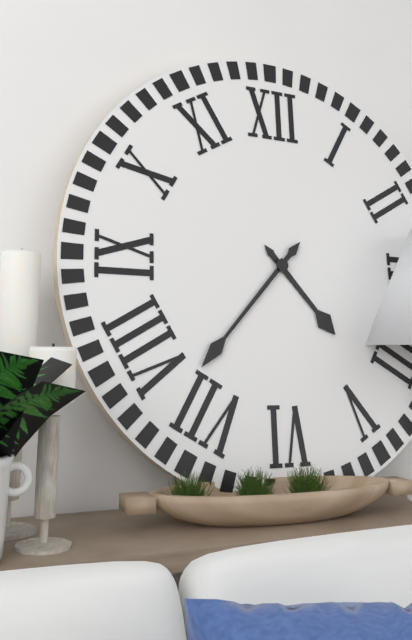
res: 4 h 37 min
